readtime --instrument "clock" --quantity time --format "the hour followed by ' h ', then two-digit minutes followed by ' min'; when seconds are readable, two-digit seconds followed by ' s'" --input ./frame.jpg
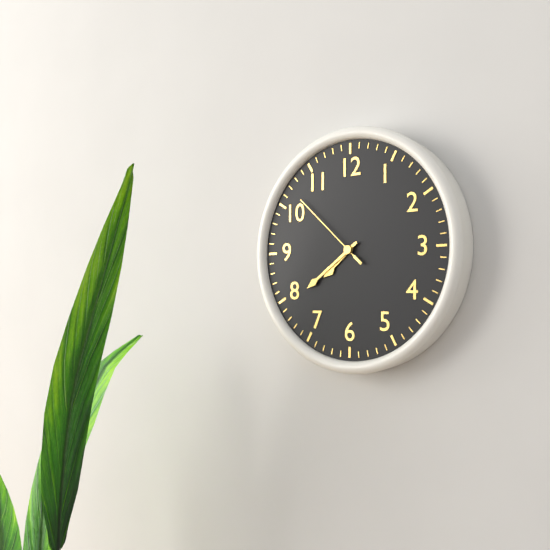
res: 7 h 39 min 52 s
